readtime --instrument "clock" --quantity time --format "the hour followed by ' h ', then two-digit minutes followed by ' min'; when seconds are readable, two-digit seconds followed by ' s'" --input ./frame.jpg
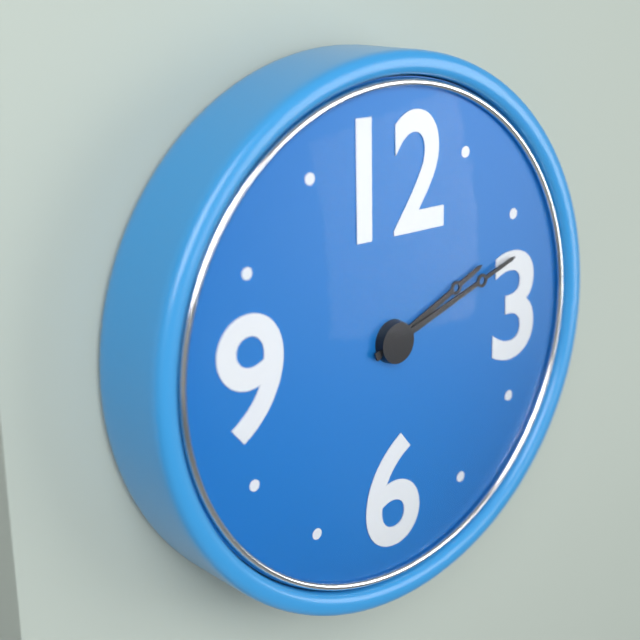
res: 2 h 12 min
